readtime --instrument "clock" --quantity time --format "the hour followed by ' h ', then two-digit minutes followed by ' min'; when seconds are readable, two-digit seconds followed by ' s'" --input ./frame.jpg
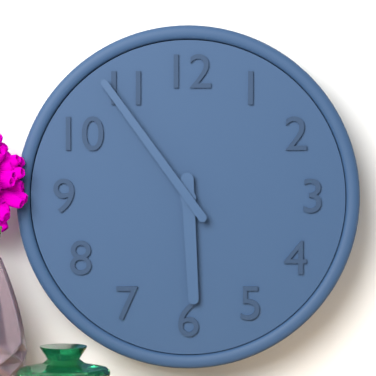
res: 5 h 54 min
